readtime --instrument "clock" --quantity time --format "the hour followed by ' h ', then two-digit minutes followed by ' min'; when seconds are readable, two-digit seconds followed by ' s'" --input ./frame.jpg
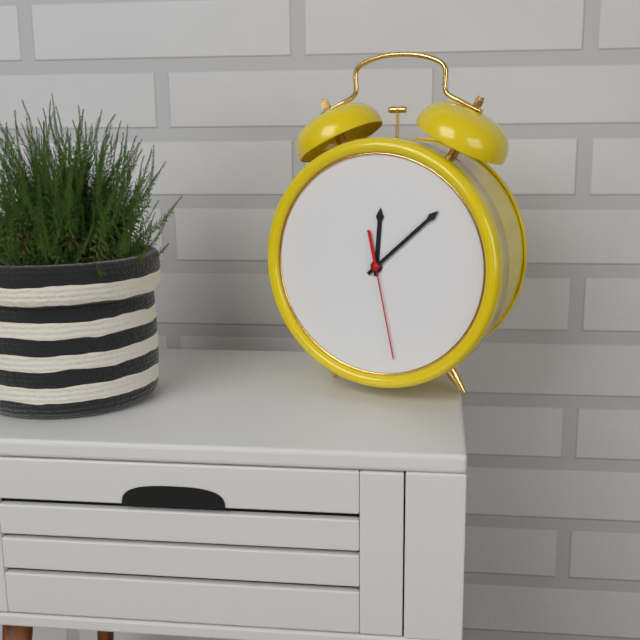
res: 12 h 08 min 28 s
